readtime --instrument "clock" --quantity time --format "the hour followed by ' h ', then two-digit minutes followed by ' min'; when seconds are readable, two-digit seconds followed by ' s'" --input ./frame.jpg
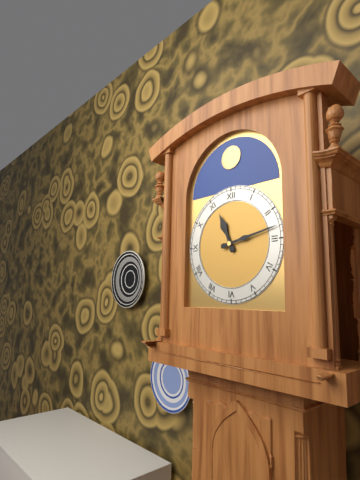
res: 11 h 13 min
